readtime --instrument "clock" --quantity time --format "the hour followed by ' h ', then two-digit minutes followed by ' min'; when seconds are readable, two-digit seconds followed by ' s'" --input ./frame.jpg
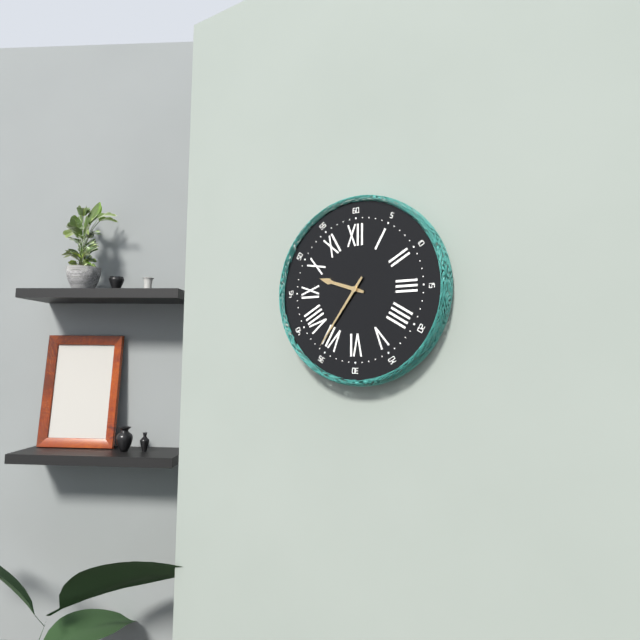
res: 9 h 36 min
